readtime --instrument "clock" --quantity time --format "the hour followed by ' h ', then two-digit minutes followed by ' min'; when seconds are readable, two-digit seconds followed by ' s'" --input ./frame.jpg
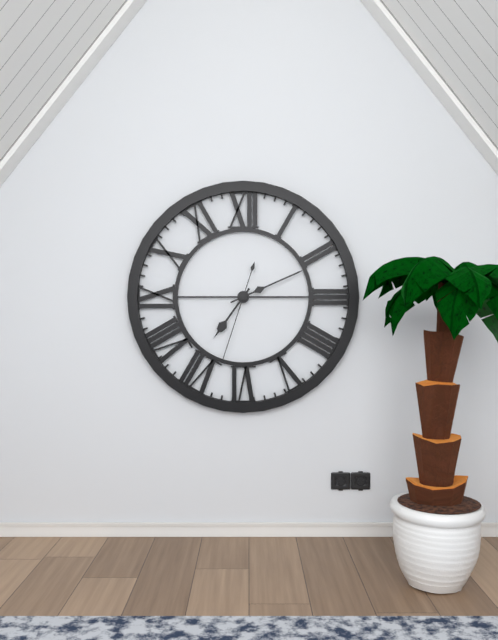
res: 7 h 11 min 33 s
